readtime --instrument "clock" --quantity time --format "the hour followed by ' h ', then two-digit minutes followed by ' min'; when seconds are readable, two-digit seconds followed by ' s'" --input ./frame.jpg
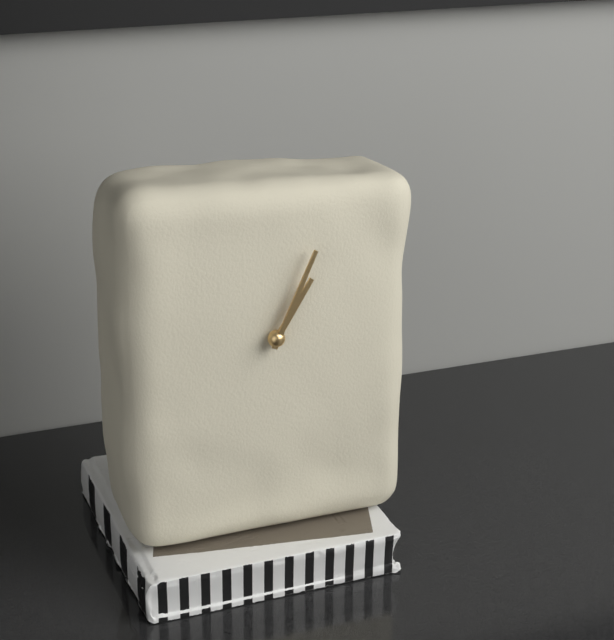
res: 1 h 04 min
